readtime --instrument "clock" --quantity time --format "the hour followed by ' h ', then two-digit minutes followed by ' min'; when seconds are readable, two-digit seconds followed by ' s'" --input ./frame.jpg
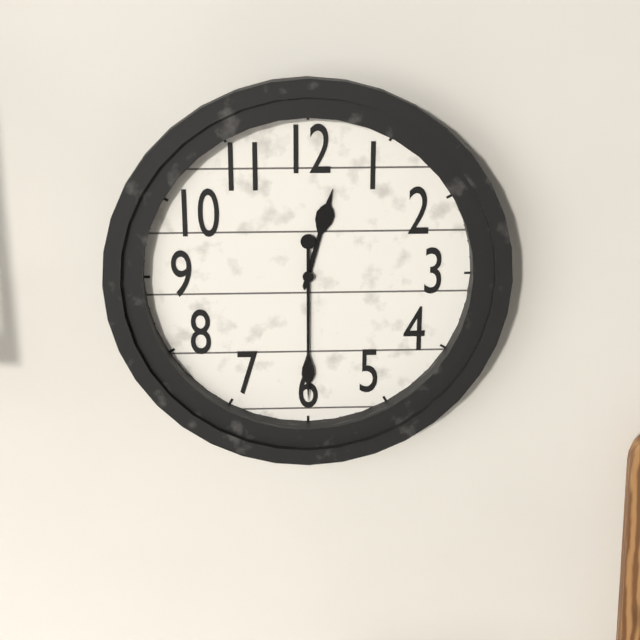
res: 12 h 30 min
